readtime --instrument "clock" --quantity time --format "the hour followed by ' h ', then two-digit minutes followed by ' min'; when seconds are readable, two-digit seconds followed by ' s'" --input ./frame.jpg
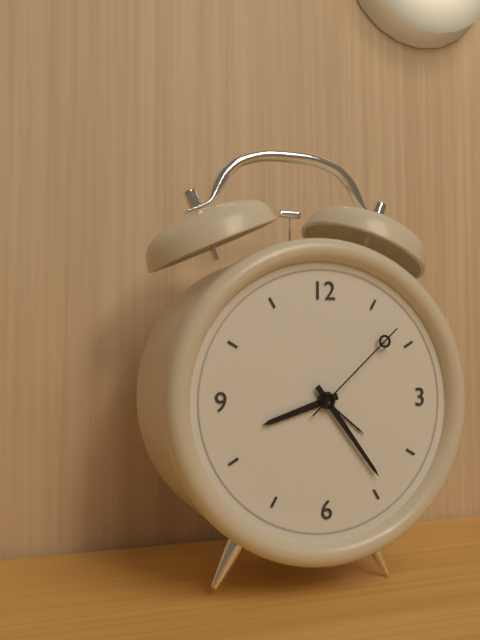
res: 8 h 24 min 08 s
